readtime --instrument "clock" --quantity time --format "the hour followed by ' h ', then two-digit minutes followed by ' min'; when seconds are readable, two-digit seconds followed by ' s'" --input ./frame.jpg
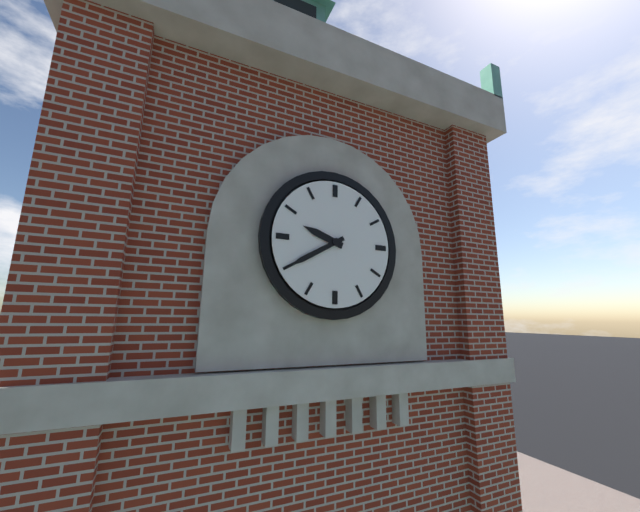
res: 9 h 40 min
